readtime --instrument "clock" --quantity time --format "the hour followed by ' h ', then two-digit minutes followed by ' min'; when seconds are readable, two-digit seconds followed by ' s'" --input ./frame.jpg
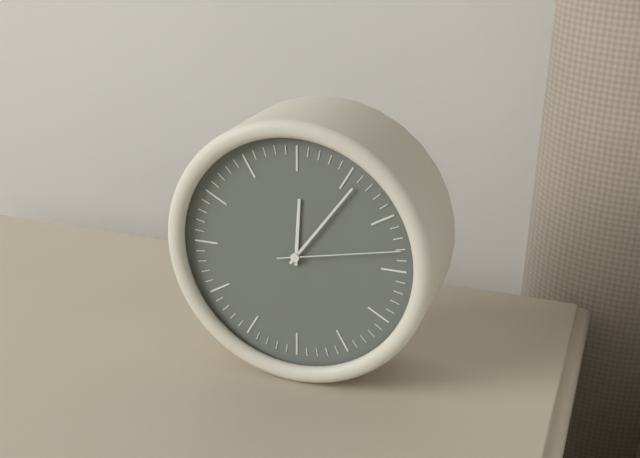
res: 12 h 06 min 13 s
